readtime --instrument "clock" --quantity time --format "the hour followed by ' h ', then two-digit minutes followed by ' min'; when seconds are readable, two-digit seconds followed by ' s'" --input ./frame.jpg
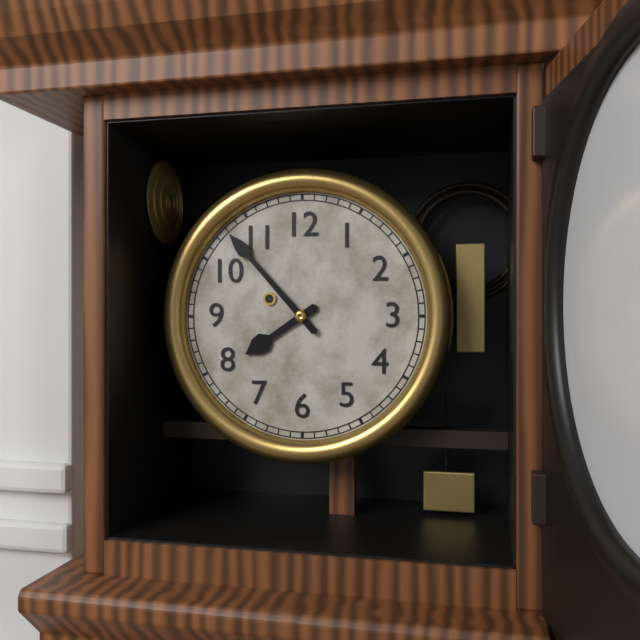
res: 7 h 53 min
